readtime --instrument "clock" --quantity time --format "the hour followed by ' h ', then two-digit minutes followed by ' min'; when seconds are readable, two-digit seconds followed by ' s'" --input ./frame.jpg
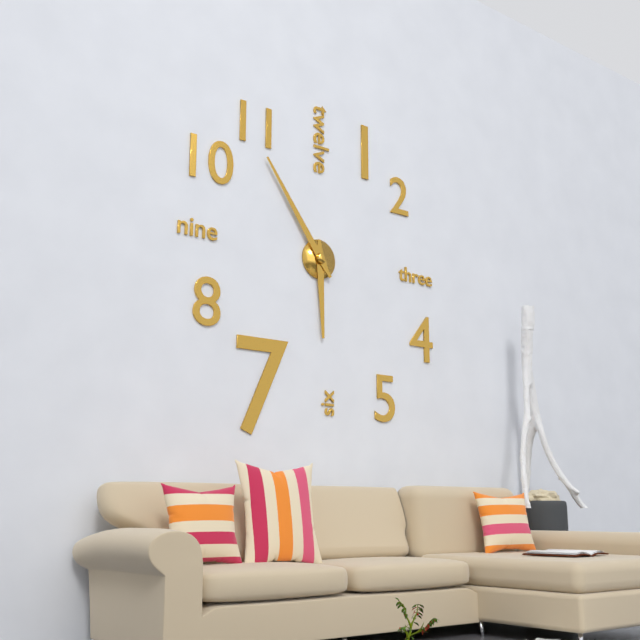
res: 5 h 54 min
